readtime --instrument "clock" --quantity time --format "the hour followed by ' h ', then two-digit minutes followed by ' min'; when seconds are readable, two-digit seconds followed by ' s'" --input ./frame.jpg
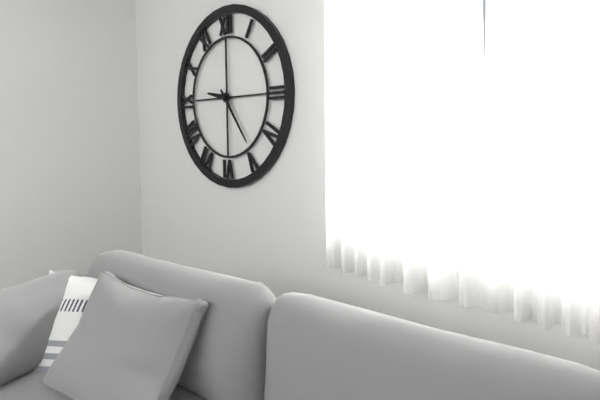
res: 9 h 24 min
